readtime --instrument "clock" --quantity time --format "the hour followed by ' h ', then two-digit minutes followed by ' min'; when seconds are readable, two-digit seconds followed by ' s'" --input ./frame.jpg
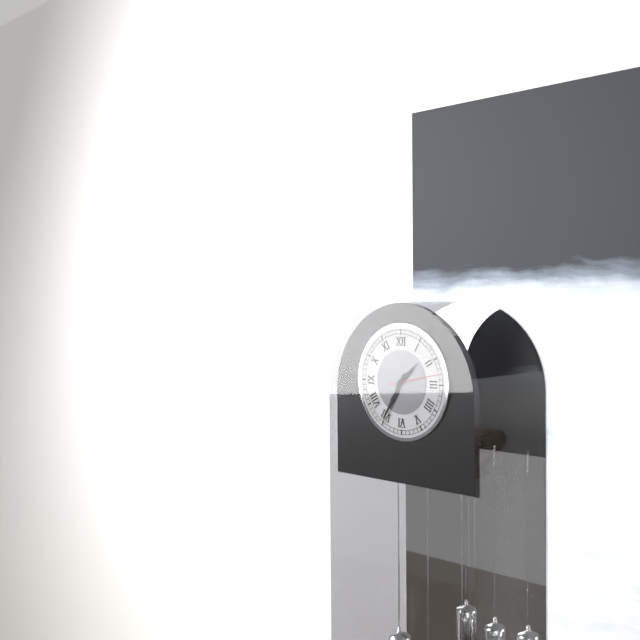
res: 1 h 35 min
